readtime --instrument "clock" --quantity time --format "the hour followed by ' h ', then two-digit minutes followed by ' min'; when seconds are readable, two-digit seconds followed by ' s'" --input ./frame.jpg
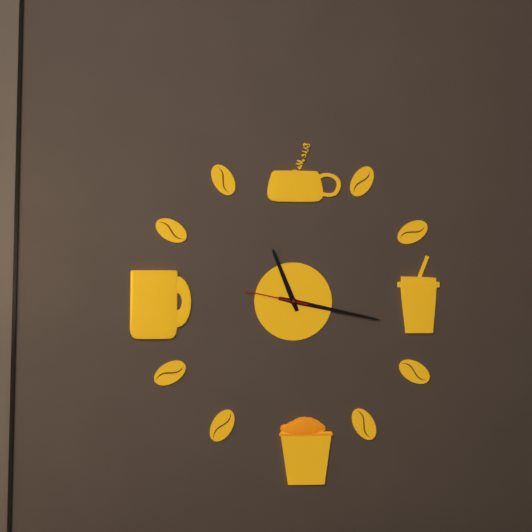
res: 11 h 17 min 47 s
